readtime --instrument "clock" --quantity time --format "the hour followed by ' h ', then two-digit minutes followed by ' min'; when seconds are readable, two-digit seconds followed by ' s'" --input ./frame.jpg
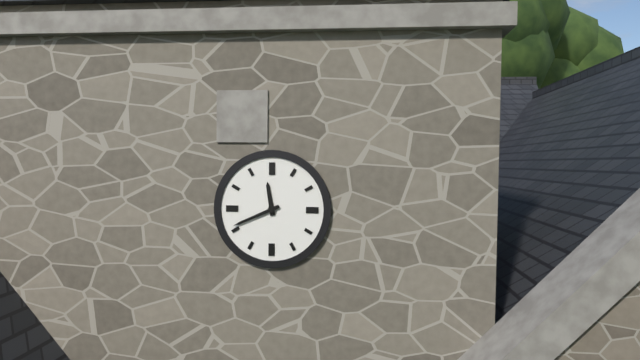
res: 11 h 41 min
